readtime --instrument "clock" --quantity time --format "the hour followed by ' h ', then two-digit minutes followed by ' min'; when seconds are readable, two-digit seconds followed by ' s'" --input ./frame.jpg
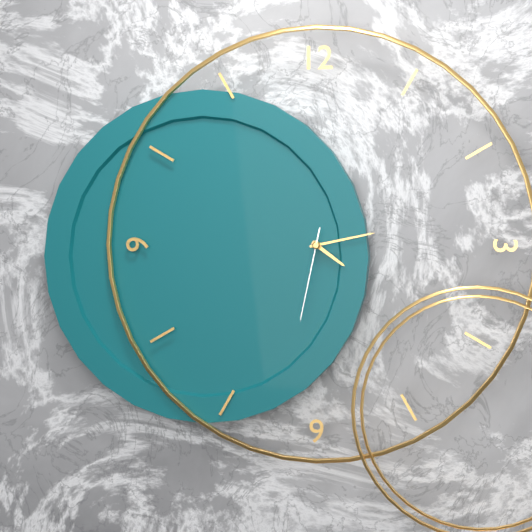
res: 4 h 13 min 32 s
